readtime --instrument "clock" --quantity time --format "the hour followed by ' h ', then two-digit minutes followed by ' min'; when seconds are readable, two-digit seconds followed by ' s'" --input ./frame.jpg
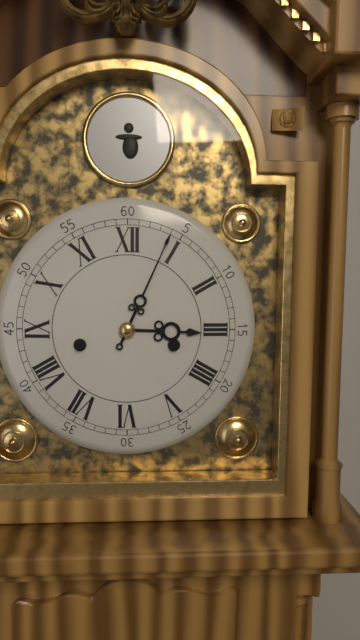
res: 3 h 04 min
